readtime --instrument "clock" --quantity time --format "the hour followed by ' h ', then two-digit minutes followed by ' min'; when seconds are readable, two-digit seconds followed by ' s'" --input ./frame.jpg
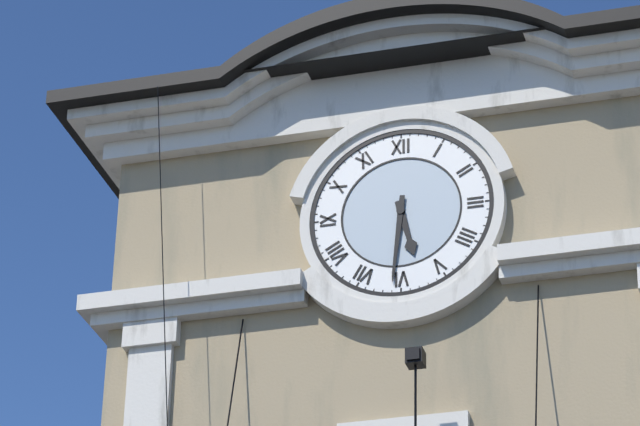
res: 5 h 31 min
